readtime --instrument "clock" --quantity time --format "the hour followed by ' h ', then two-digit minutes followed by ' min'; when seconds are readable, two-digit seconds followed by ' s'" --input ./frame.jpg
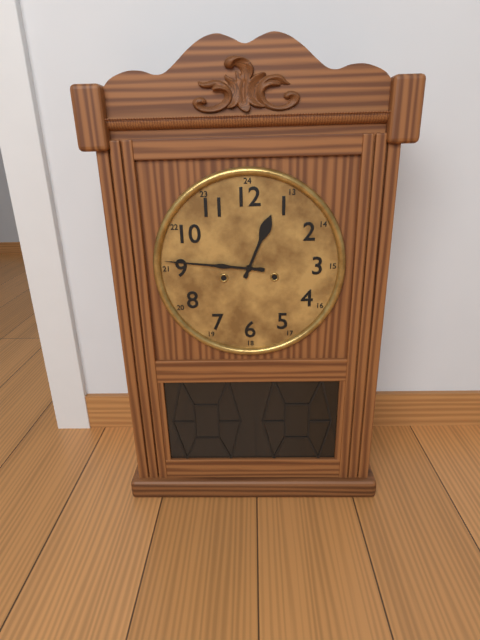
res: 12 h 46 min
